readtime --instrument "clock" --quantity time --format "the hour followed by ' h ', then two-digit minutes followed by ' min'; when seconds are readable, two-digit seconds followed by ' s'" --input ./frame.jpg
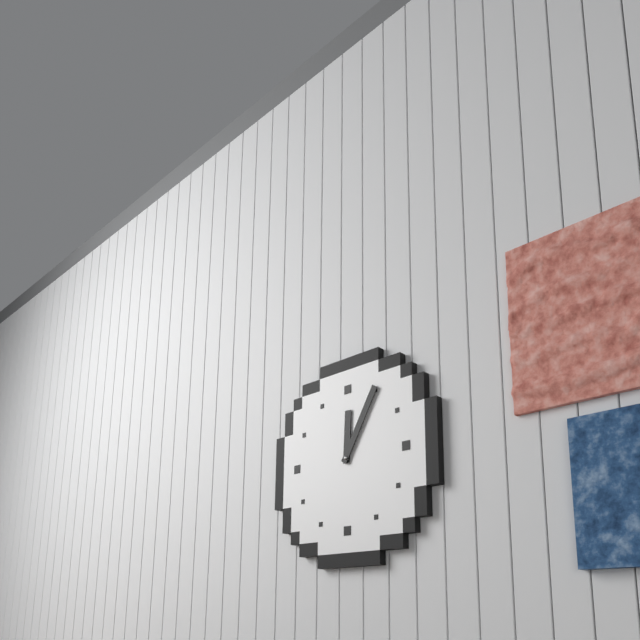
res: 12 h 05 min
